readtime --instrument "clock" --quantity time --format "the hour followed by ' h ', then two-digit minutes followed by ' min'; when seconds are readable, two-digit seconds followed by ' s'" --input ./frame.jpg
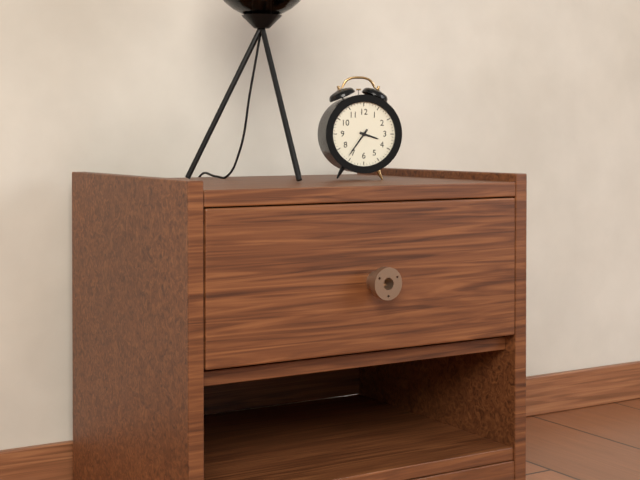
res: 3 h 36 min
